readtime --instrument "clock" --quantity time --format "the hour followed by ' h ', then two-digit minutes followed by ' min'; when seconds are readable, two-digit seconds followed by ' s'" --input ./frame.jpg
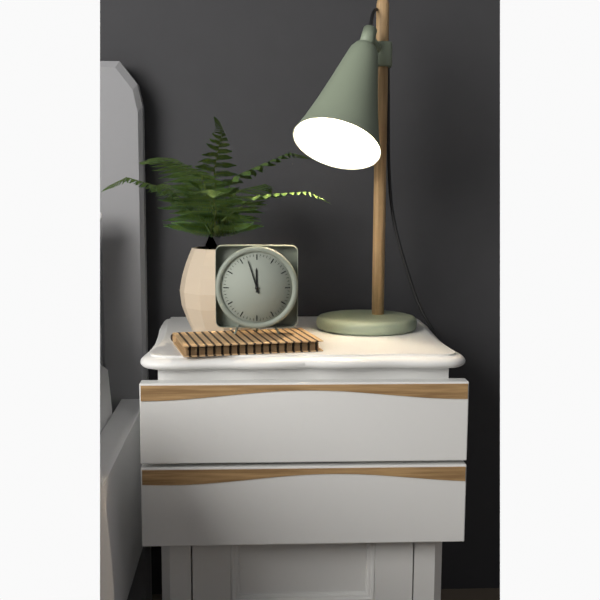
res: 11 h 57 min
